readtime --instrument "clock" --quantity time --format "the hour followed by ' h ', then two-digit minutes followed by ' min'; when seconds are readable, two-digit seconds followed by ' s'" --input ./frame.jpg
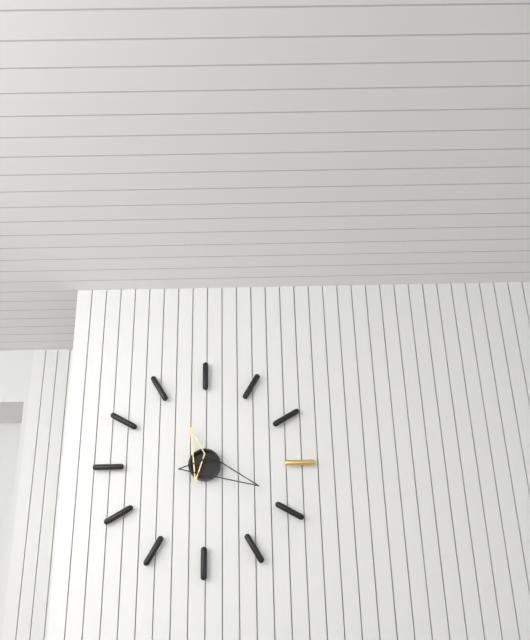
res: 11 h 19 min
